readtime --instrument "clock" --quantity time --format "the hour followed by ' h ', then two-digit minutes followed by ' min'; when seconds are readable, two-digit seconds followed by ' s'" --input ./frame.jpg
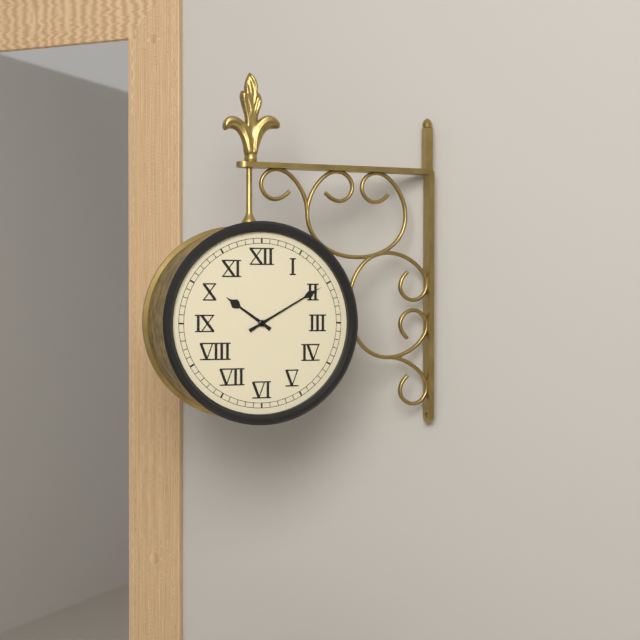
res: 10 h 10 min
